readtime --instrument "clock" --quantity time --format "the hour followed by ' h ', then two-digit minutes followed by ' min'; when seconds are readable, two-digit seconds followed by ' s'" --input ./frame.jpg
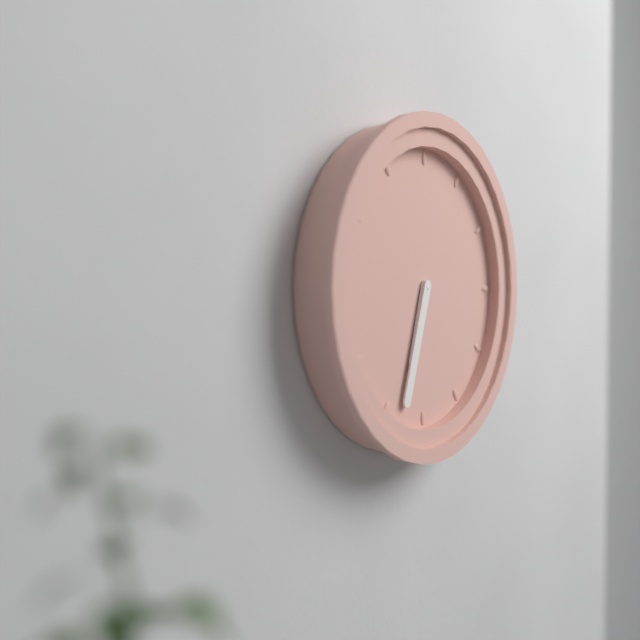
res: 6 h 33 min
